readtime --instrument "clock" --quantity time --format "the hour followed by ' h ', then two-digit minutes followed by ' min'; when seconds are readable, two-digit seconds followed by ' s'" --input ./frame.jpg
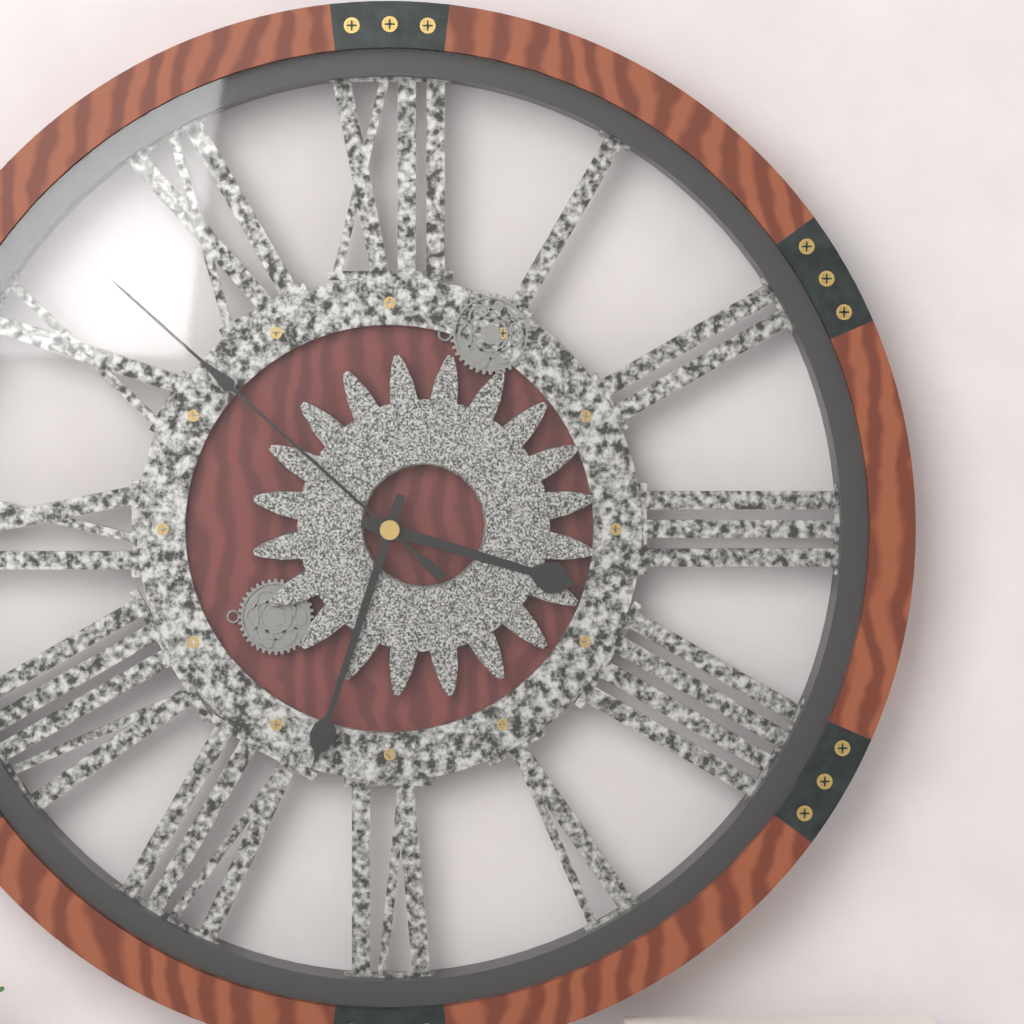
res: 3 h 33 min 52 s
